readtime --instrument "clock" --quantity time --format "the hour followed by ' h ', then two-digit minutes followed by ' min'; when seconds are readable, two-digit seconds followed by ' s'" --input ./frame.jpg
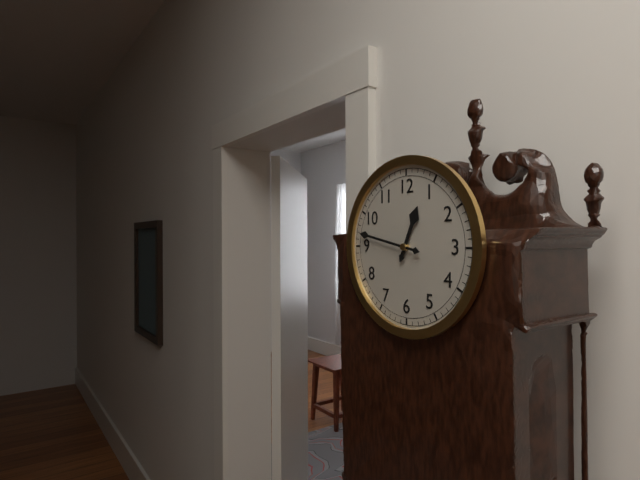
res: 12 h 47 min
